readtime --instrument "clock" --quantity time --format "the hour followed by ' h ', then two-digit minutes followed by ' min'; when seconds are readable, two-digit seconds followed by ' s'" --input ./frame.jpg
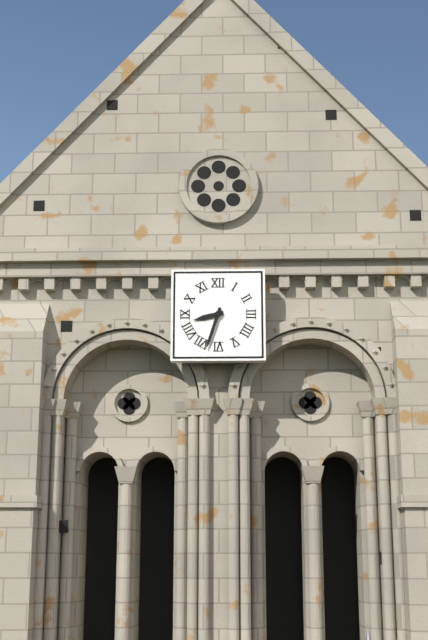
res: 8 h 33 min
